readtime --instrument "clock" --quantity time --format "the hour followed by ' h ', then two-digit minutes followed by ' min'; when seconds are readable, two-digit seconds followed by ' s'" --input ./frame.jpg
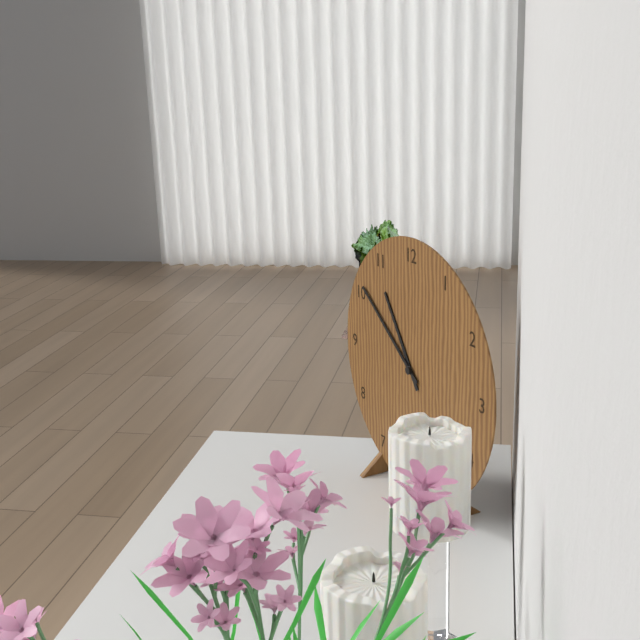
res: 10 h 51 min
